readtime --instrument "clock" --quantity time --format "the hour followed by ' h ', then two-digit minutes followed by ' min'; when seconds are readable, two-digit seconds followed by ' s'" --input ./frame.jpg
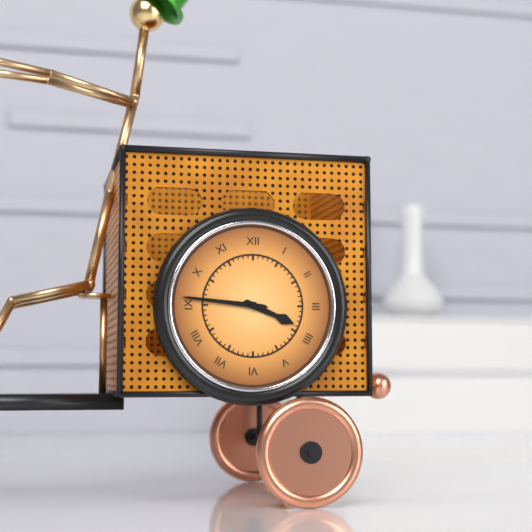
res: 3 h 46 min
